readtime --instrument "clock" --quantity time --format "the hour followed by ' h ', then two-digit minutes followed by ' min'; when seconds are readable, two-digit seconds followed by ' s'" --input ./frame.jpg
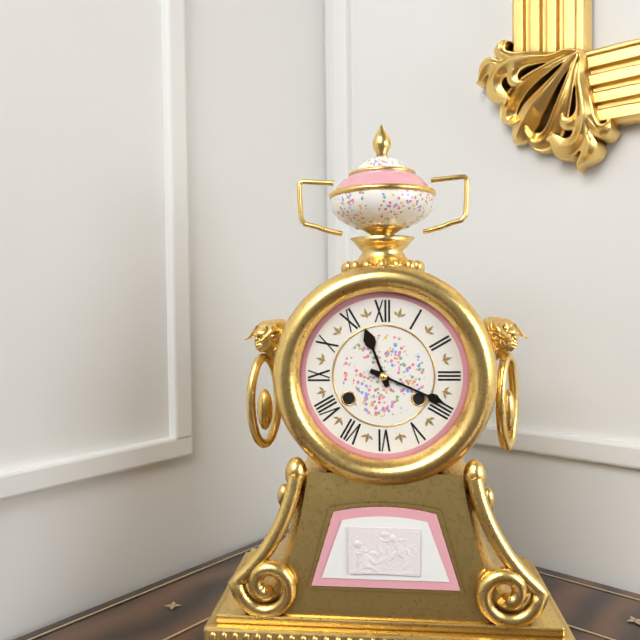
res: 11 h 19 min
